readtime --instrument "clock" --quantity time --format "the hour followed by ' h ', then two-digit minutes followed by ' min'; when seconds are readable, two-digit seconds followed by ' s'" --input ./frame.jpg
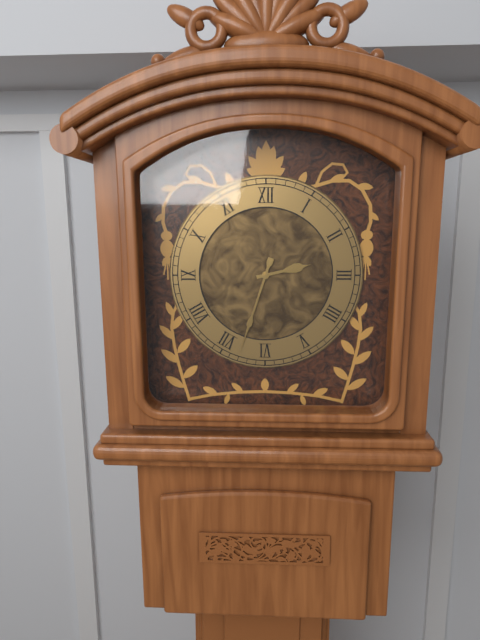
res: 2 h 33 min
